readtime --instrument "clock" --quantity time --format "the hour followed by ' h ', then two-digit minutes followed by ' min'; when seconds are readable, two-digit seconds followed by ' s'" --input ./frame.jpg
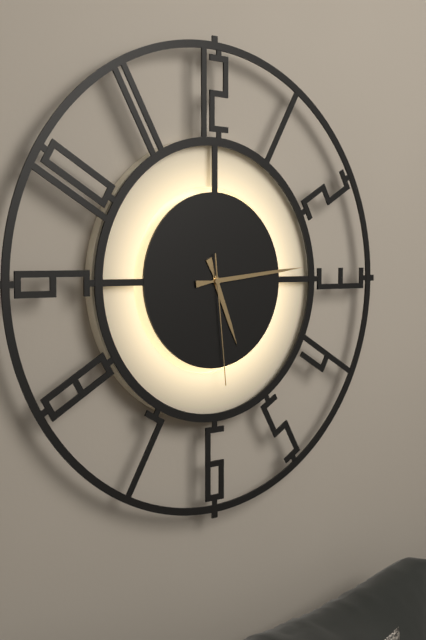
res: 5 h 14 min 29 s
